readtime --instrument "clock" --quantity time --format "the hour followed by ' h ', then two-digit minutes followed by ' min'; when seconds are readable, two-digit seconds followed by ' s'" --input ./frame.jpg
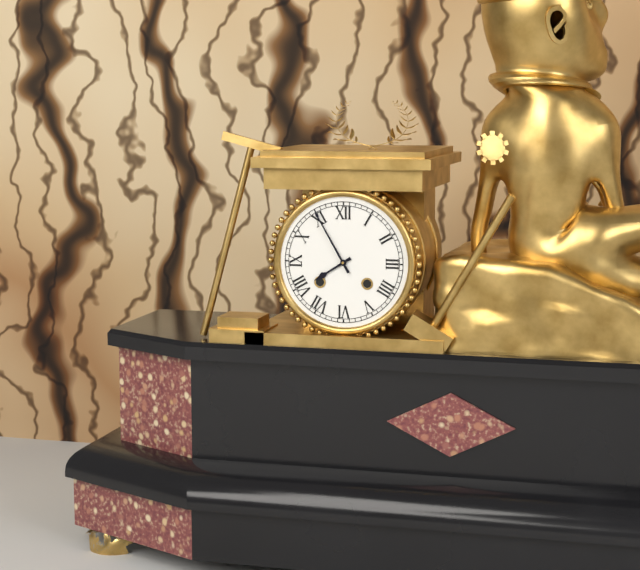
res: 7 h 55 min
